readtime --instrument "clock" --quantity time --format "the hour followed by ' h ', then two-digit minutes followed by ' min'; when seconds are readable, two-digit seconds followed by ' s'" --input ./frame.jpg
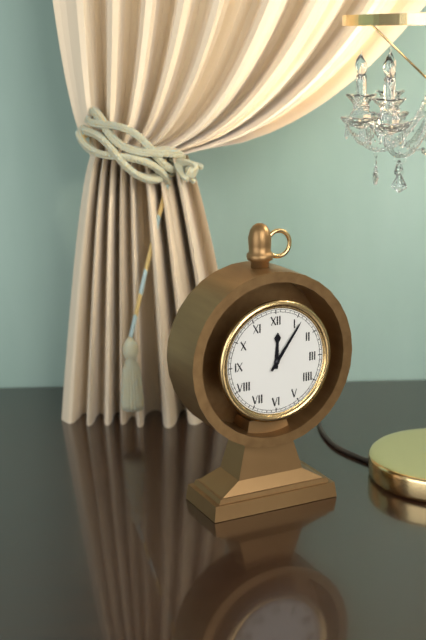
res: 12 h 06 min
